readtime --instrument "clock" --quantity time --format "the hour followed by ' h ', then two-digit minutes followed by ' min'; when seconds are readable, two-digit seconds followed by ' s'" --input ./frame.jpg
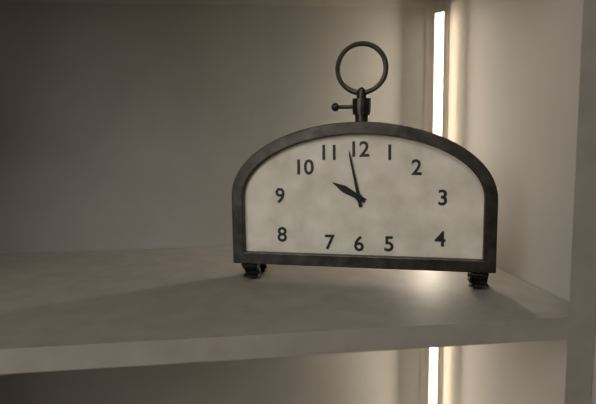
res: 9 h 58 min
